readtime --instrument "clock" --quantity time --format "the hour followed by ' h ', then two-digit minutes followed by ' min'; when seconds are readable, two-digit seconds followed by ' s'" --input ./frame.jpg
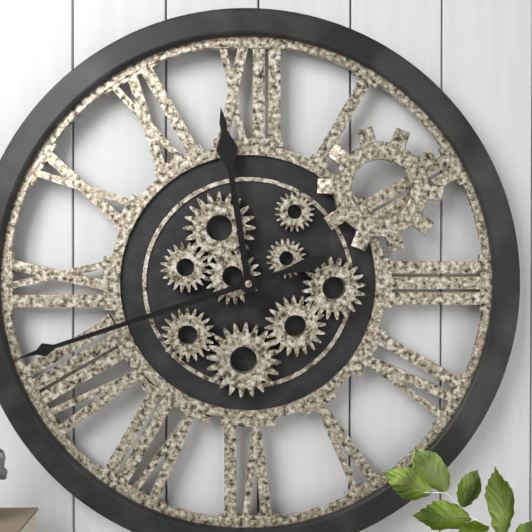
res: 11 h 42 min
